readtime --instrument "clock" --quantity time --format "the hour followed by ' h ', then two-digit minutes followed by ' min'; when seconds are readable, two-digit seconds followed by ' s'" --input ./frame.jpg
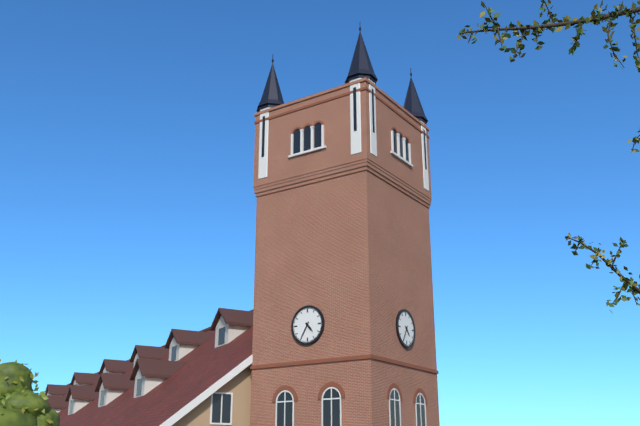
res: 4 h 35 min
